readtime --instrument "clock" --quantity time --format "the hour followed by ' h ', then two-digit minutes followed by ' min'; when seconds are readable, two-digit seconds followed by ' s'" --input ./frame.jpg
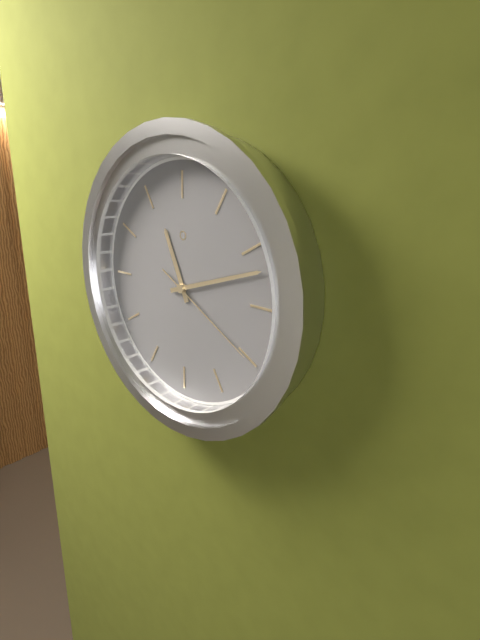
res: 11 h 12 min 20 s
